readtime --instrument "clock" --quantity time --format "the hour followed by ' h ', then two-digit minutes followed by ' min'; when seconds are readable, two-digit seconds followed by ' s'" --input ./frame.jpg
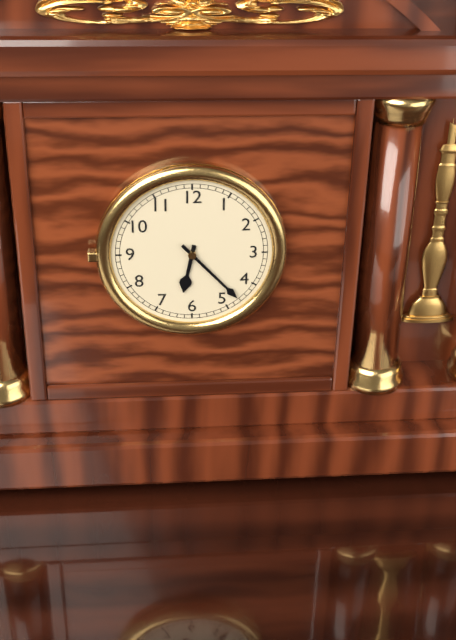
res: 6 h 23 min
